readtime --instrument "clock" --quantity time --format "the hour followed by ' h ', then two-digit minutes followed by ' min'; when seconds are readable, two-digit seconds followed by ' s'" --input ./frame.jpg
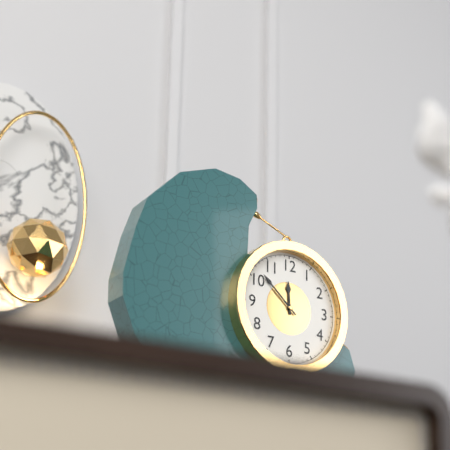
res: 11 h 52 min
